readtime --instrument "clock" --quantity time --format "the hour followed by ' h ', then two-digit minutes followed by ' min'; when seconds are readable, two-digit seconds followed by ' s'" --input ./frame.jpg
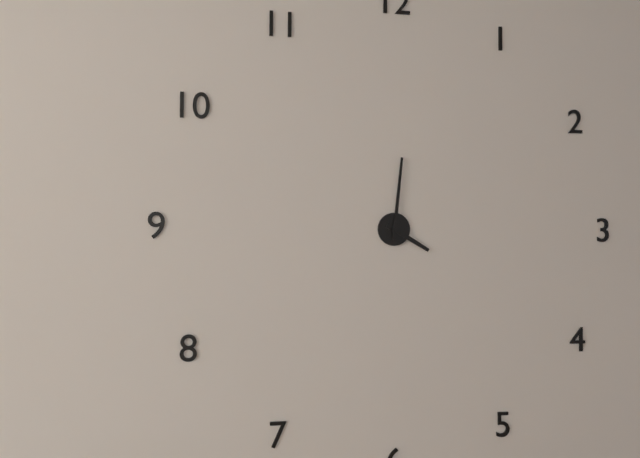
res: 4 h 01 min
